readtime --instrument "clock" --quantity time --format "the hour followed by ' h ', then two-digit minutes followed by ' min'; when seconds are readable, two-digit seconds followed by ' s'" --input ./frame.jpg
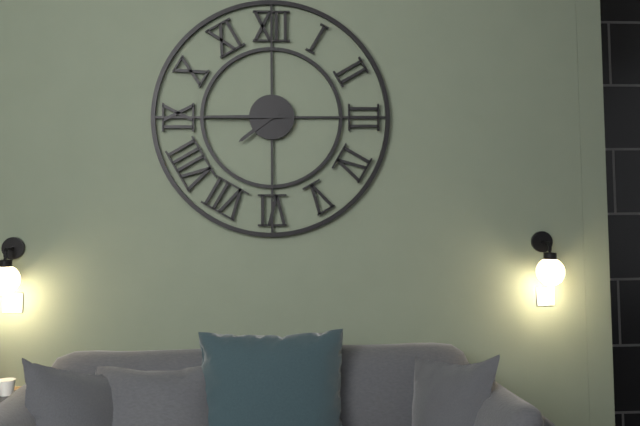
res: 7 h 45 min
